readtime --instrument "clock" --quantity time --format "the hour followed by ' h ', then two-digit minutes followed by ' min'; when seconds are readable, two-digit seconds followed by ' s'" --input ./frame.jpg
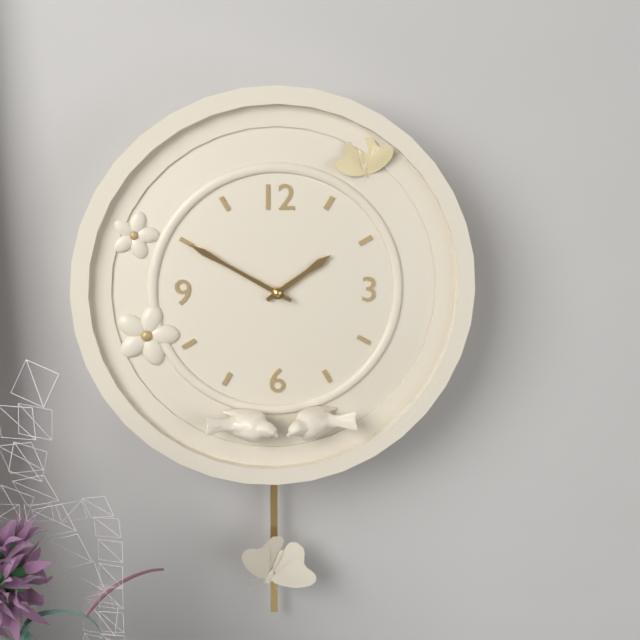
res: 1 h 50 min
